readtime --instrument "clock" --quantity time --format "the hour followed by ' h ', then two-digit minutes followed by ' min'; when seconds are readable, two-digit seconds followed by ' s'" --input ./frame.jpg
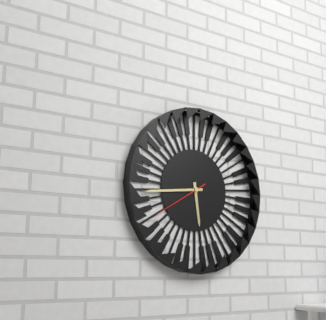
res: 5 h 44 min 40 s
